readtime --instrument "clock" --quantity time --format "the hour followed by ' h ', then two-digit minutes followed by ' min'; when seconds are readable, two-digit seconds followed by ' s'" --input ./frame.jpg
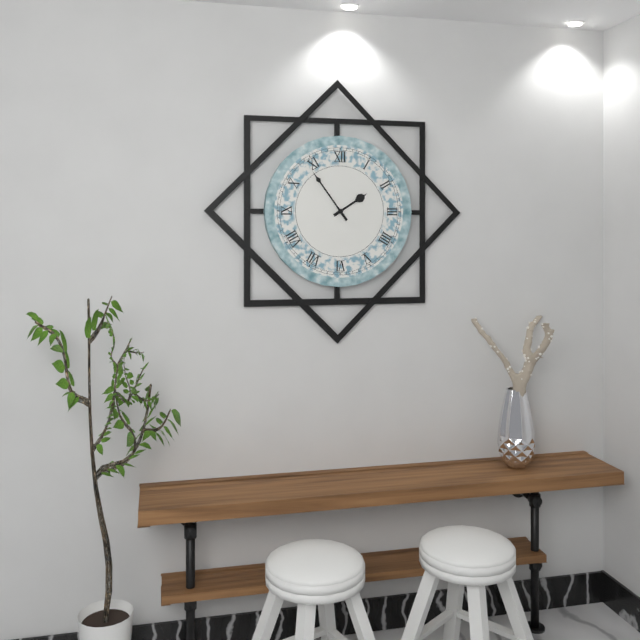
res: 1 h 54 min
